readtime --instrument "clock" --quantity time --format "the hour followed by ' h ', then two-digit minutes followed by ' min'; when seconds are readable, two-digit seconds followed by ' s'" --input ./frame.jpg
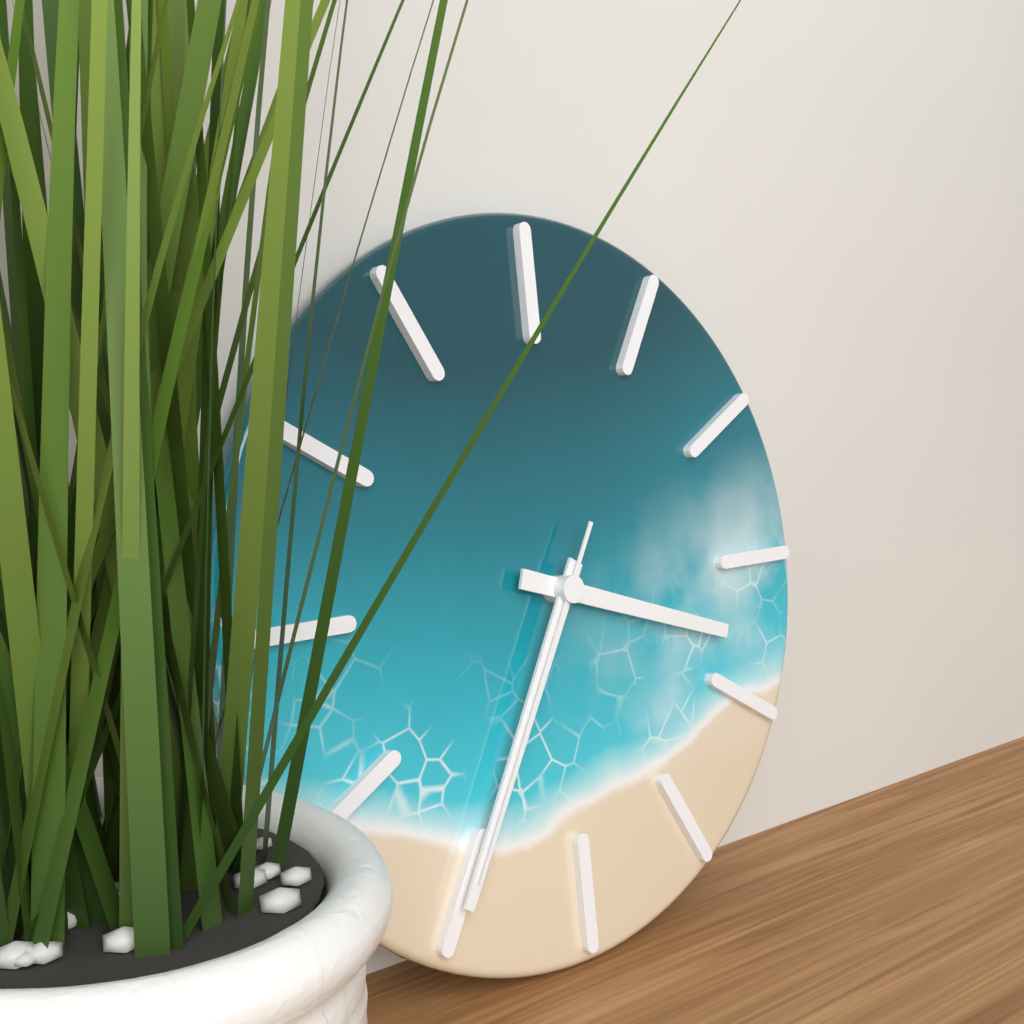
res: 3 h 35 min 35 s
